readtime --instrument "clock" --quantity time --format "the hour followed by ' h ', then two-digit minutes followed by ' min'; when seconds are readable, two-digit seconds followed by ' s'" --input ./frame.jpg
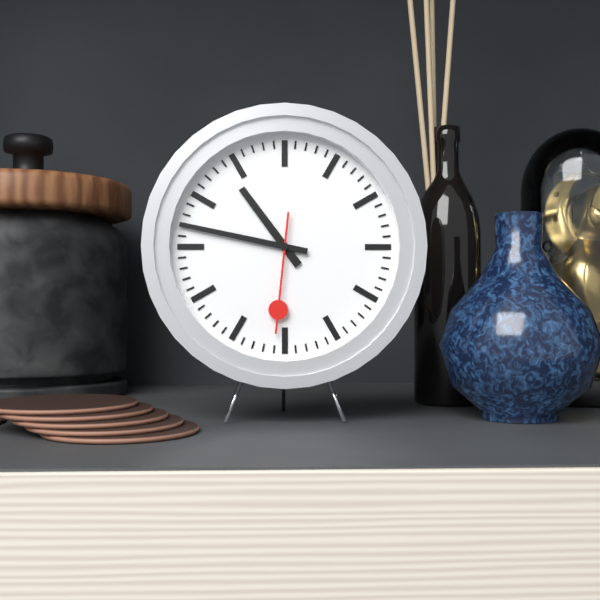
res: 10 h 47 min 31 s
